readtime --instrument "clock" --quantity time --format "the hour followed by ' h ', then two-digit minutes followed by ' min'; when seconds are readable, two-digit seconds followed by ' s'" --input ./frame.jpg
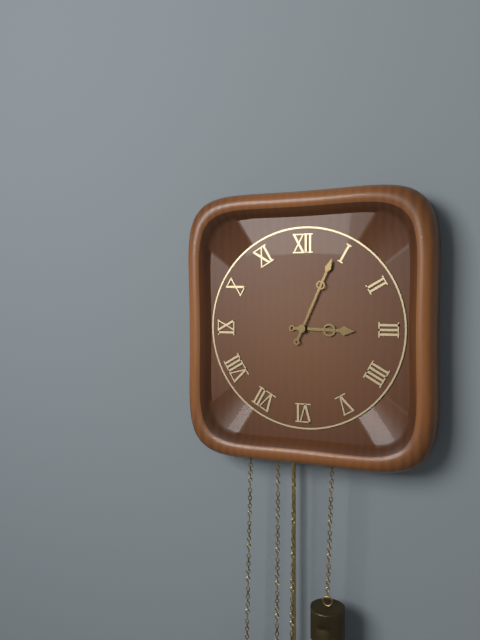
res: 3 h 04 min
